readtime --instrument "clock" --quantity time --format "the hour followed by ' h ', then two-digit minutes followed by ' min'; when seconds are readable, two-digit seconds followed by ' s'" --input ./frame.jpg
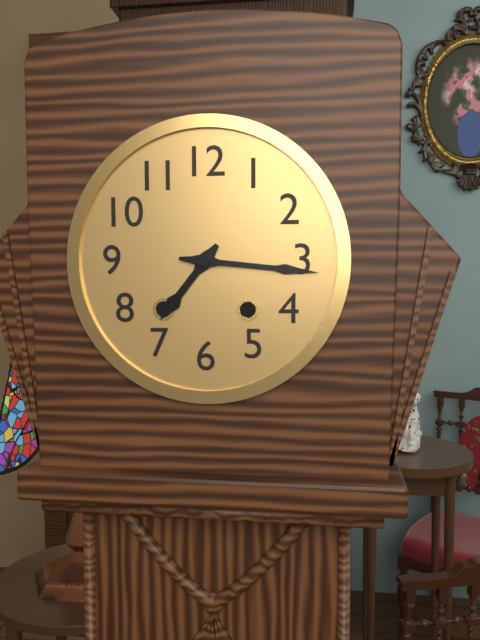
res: 7 h 16 min
